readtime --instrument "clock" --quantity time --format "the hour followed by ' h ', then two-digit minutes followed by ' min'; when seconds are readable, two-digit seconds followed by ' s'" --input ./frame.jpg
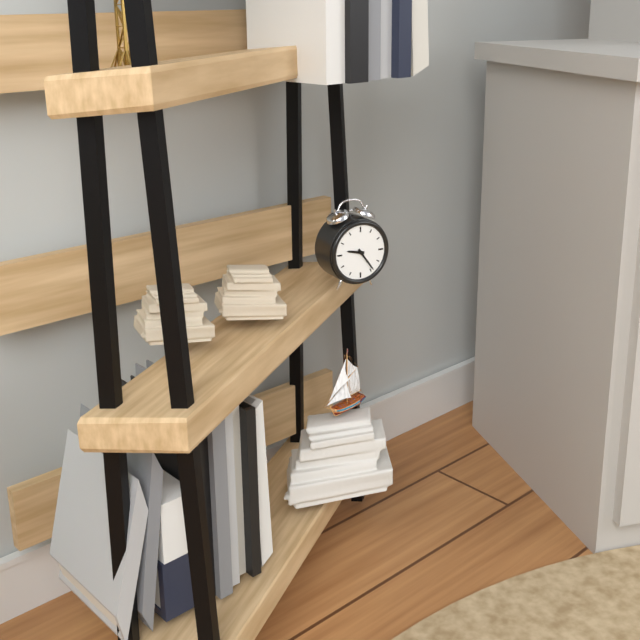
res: 9 h 24 min
